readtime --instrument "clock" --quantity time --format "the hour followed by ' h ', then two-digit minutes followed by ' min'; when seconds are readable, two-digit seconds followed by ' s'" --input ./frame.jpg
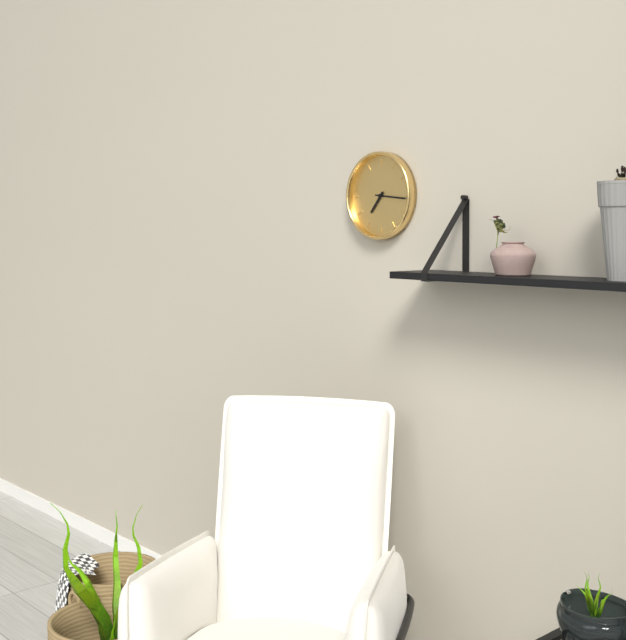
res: 7 h 16 min
